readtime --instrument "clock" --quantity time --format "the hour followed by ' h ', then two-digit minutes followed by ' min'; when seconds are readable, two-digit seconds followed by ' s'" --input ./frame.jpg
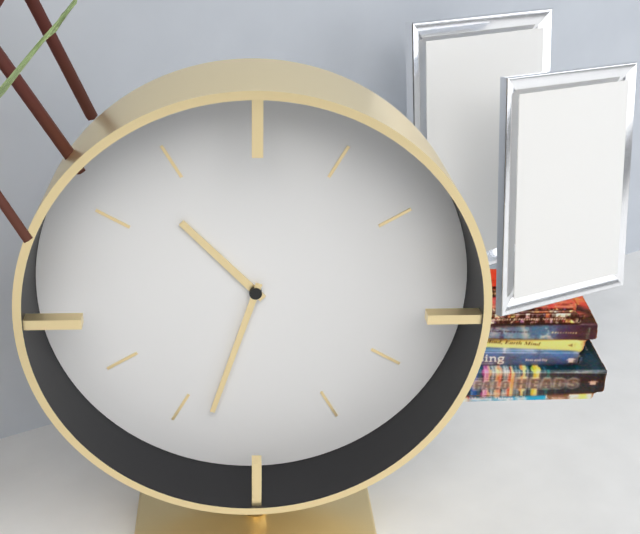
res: 10 h 33 min
